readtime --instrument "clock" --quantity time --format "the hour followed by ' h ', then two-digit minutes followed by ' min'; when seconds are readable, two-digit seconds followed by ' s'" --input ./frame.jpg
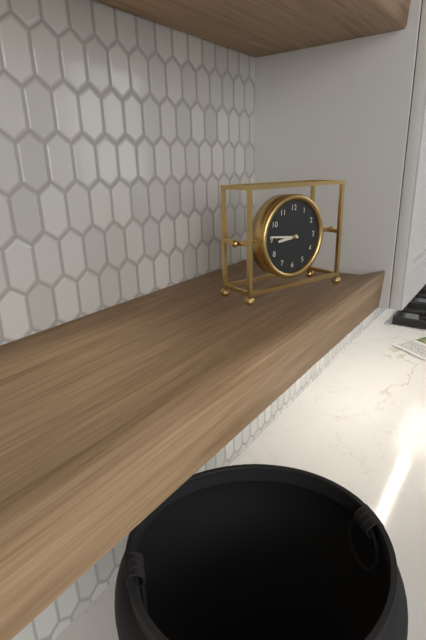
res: 8 h 46 min
